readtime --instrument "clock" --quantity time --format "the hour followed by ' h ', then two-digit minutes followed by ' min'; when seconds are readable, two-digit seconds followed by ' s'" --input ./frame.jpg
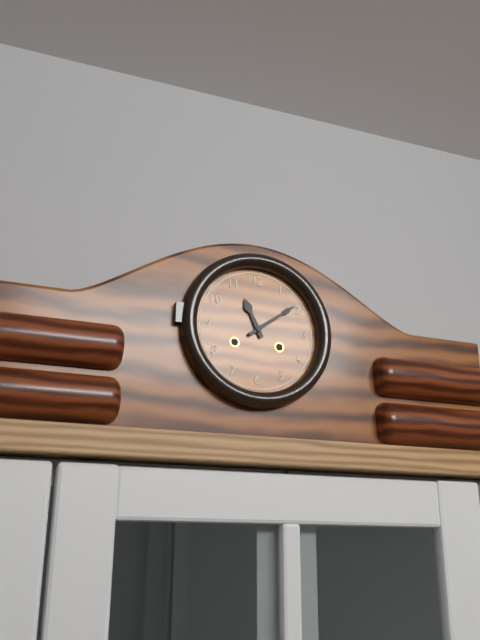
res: 11 h 09 min
